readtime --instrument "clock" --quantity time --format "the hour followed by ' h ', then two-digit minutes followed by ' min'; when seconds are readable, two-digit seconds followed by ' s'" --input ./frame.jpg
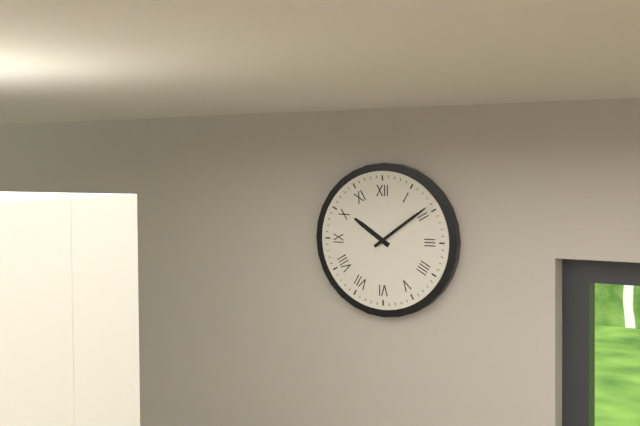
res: 10 h 09 min
